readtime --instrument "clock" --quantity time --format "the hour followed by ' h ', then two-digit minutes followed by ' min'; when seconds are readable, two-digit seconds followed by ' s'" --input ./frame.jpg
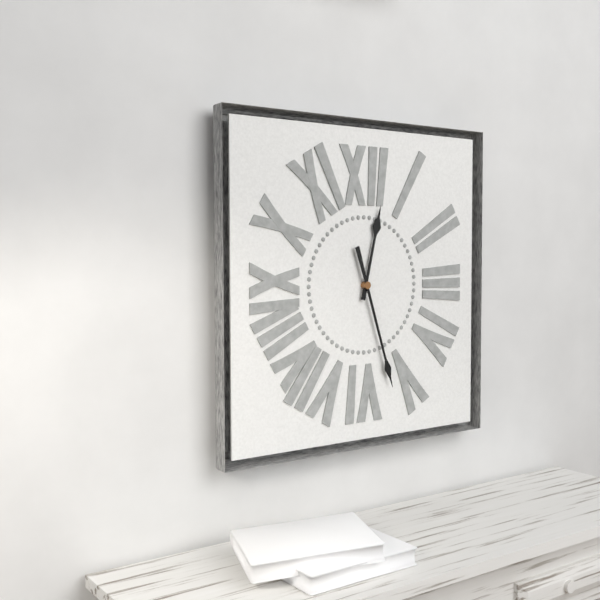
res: 12 h 27 min
